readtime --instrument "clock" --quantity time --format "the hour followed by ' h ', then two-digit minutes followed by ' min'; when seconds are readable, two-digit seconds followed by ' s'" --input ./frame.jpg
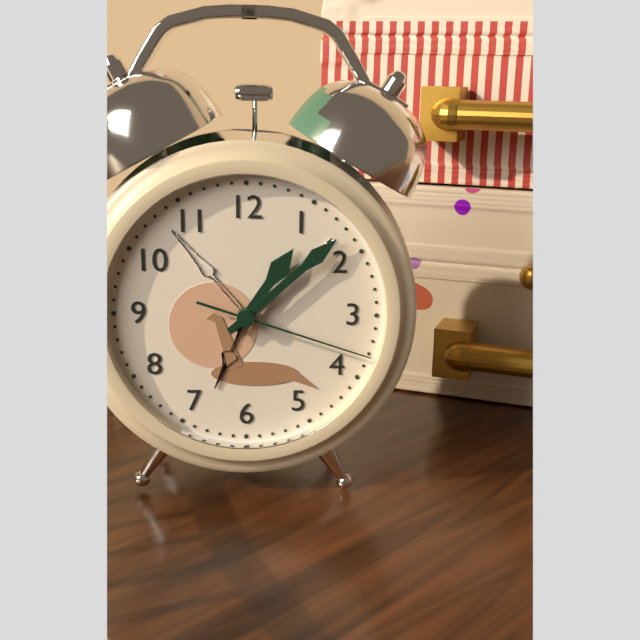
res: 1 h 08 min 18 s
